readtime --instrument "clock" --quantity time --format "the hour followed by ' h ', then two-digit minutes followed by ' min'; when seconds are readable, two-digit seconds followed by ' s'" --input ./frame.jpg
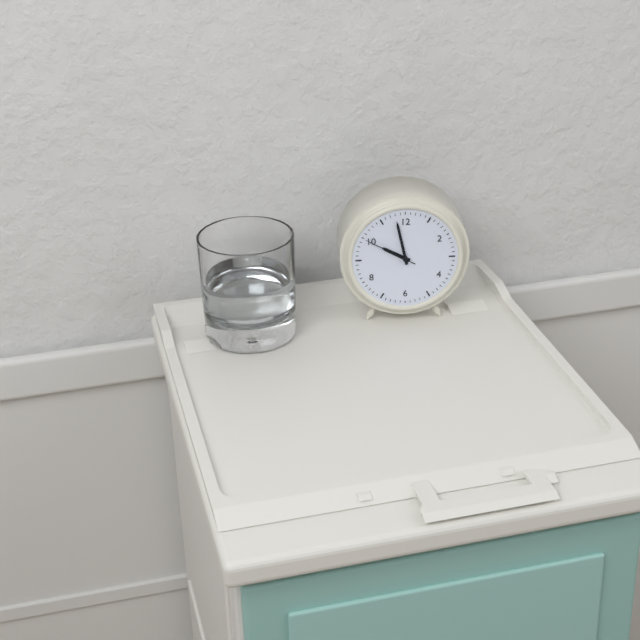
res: 9 h 58 min 50 s
